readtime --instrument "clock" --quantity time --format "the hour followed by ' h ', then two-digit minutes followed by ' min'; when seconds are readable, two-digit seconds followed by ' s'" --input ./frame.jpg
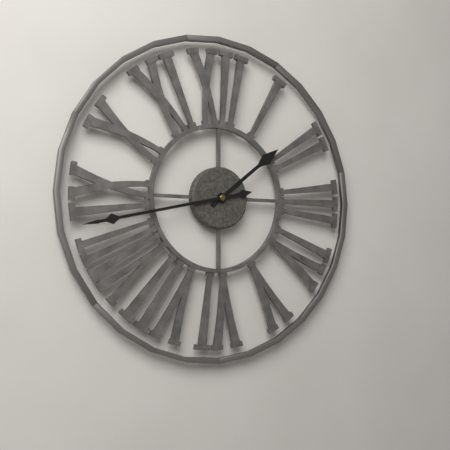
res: 1 h 43 min
